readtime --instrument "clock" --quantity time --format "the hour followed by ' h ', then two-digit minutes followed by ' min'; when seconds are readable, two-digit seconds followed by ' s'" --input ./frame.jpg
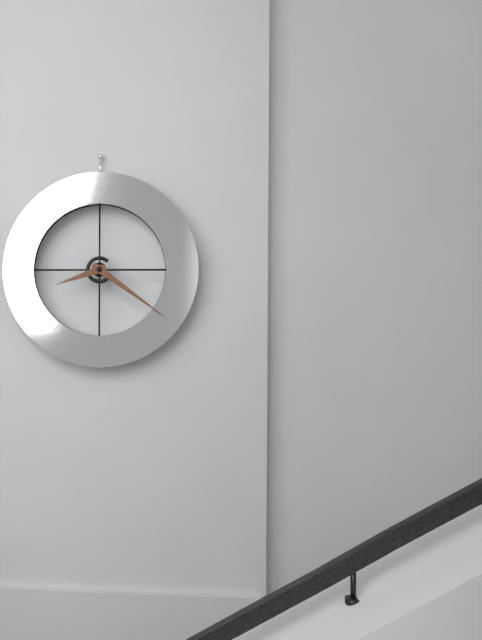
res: 8 h 21 min
